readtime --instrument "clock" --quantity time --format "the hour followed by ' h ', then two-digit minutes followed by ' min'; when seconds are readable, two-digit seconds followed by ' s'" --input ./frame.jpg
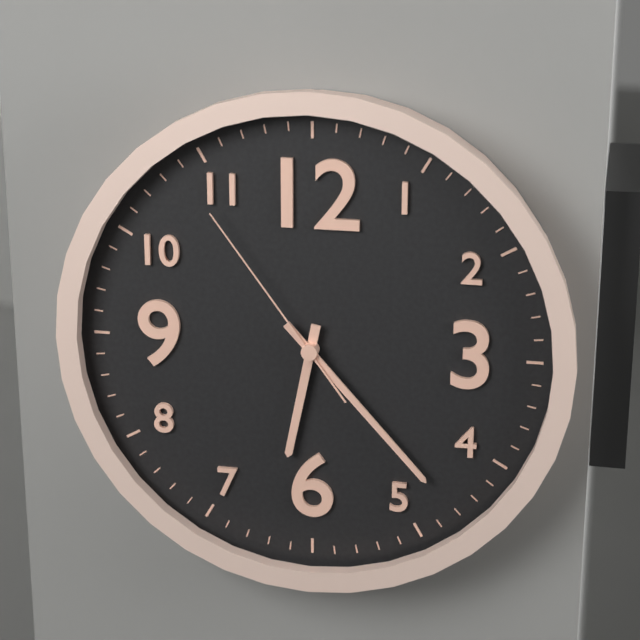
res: 6 h 23 min 54 s
